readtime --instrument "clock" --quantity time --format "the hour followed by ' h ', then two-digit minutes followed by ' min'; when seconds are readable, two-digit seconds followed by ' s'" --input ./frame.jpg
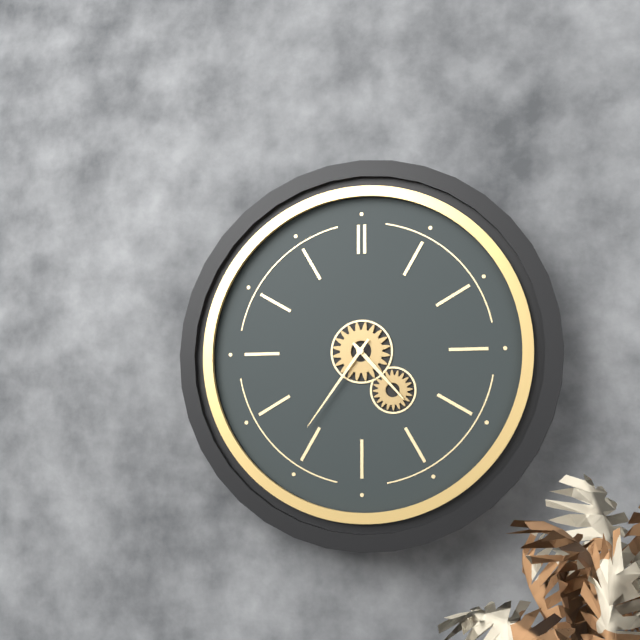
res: 4 h 36 min
